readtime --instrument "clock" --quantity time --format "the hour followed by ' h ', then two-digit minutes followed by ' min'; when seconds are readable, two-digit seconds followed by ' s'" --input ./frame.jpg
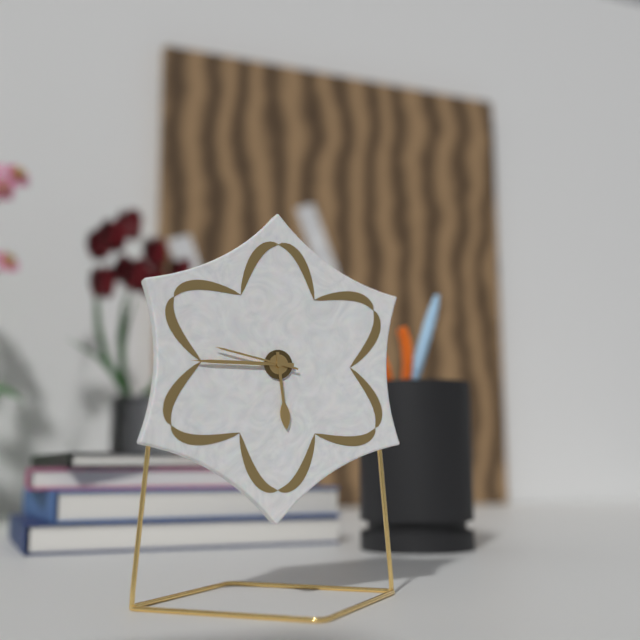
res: 5 h 45 min 47 s
